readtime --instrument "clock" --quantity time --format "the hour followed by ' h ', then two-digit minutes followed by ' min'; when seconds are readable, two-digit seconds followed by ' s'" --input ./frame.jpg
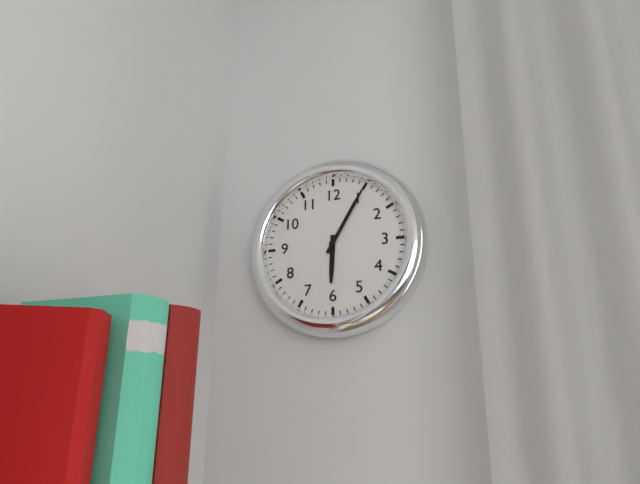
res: 6 h 05 min
